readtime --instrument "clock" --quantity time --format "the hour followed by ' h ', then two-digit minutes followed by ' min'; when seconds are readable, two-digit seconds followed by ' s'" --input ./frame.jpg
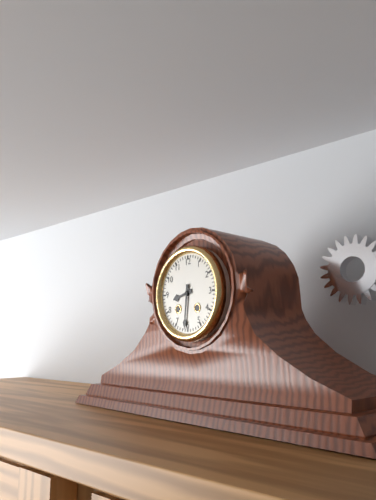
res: 8 h 31 min
